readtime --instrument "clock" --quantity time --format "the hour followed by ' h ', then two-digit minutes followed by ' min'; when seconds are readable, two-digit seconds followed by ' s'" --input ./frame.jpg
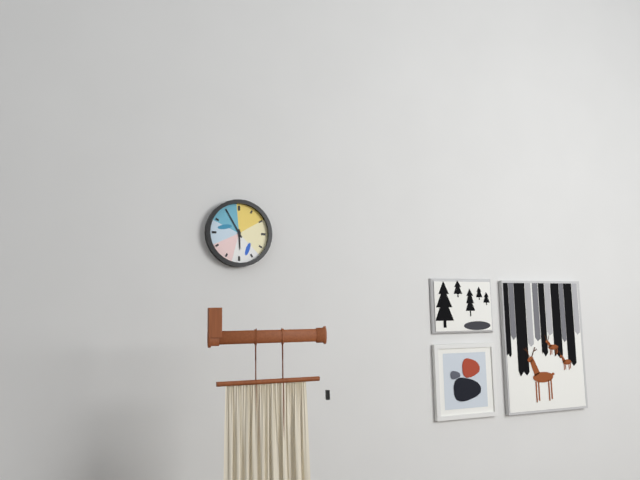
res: 5 h 55 min
